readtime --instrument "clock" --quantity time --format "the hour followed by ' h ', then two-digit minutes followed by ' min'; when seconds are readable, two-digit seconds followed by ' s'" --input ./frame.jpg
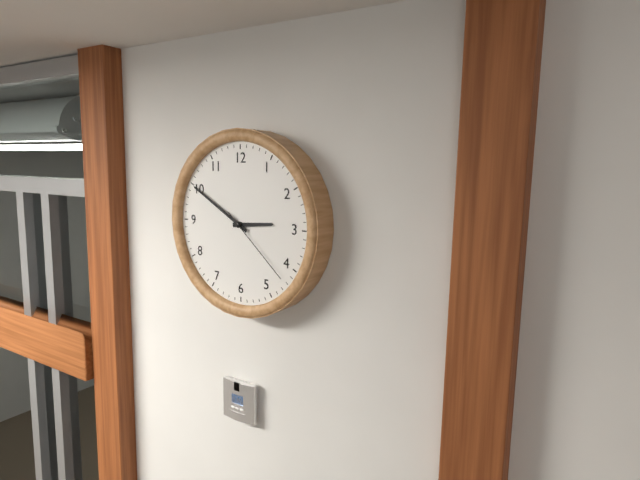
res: 2 h 50 min 22 s
